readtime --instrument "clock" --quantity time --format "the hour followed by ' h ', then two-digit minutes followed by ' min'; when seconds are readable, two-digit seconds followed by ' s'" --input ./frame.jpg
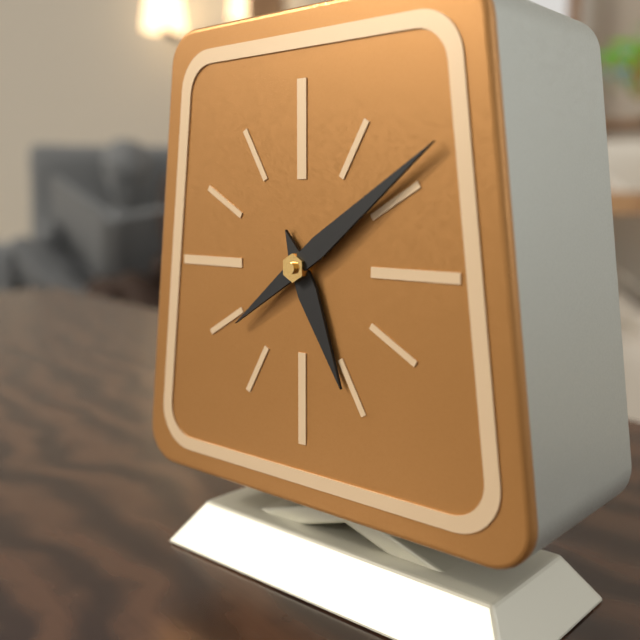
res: 5 h 09 min
